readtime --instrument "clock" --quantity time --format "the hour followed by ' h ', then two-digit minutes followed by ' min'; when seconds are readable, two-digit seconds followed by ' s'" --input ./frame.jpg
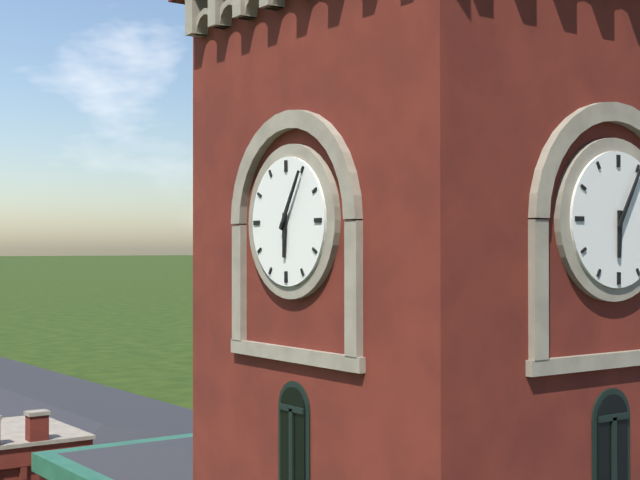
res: 6 h 05 min
